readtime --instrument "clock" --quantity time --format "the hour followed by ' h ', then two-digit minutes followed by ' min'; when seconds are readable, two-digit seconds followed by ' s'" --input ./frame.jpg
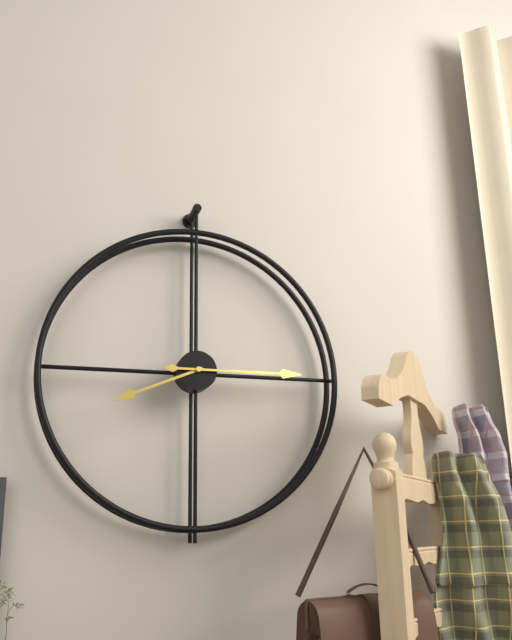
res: 8 h 15 min
